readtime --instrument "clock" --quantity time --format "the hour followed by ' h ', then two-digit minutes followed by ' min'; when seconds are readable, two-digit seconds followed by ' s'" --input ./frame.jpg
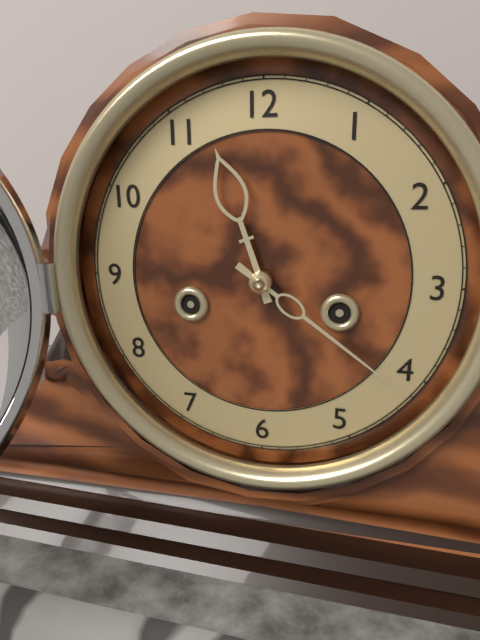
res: 11 h 21 min
